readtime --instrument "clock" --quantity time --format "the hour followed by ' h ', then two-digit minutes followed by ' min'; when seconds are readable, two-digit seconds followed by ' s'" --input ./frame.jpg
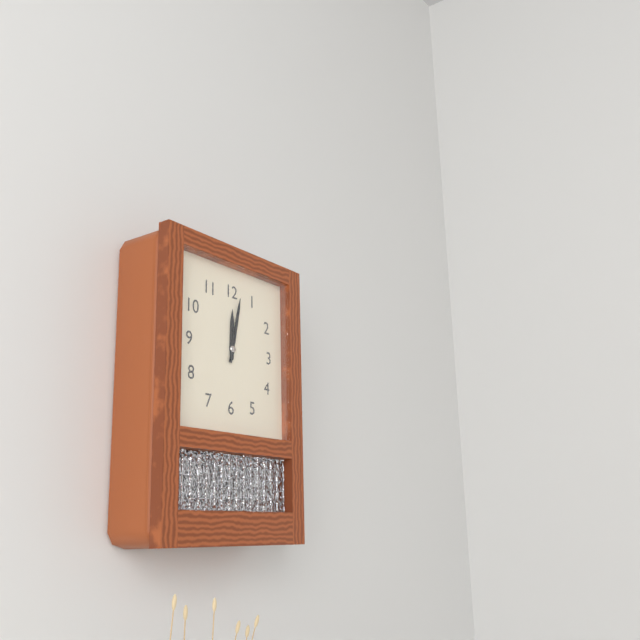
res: 12 h 02 min
